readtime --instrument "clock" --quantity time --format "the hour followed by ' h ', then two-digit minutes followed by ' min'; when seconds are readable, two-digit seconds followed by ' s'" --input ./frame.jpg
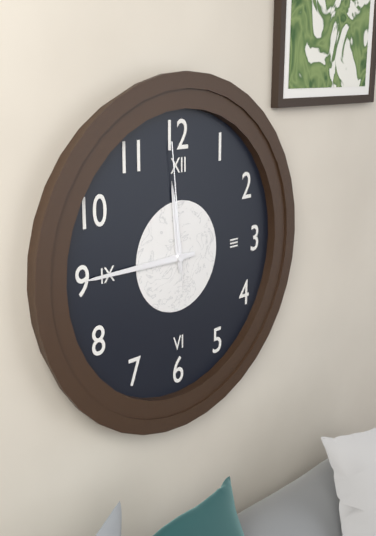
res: 11 h 45 min 59 s
